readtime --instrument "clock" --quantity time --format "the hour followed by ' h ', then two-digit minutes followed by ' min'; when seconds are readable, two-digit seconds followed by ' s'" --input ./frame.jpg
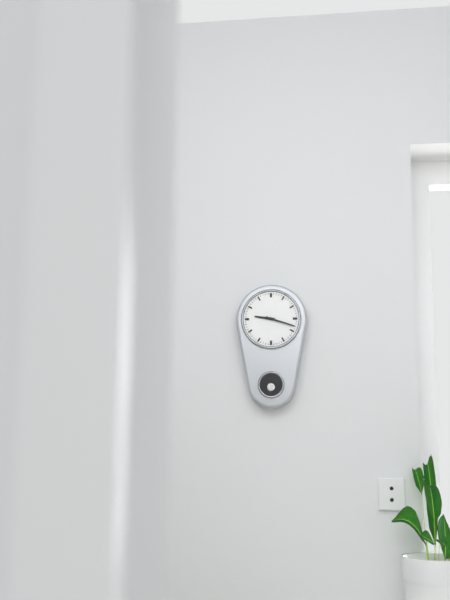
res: 9 h 18 min
